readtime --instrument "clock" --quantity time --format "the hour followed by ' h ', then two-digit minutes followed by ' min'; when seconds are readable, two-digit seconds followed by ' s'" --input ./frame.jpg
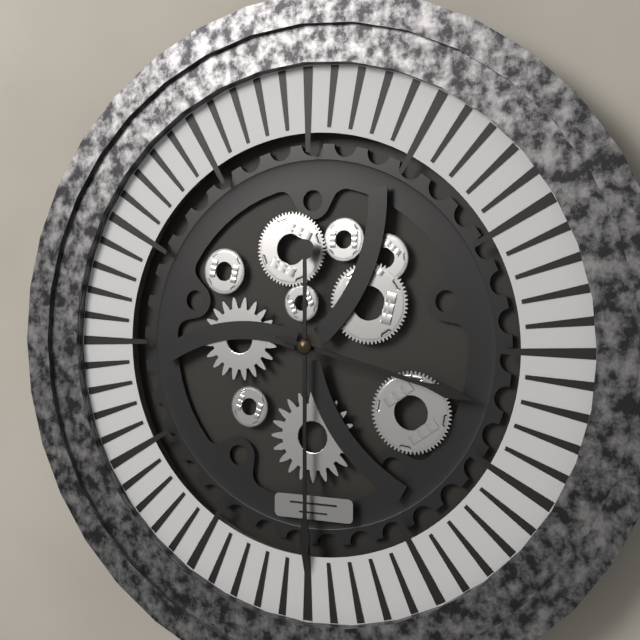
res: 3 h 30 min
